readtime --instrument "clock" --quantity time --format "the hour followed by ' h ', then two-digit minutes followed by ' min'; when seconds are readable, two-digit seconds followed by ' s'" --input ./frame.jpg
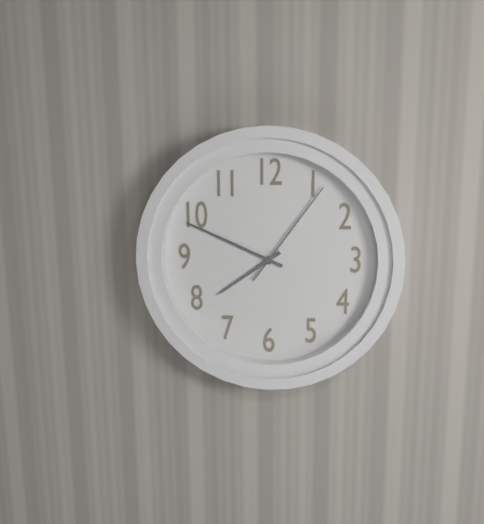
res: 7 h 49 min 06 s
